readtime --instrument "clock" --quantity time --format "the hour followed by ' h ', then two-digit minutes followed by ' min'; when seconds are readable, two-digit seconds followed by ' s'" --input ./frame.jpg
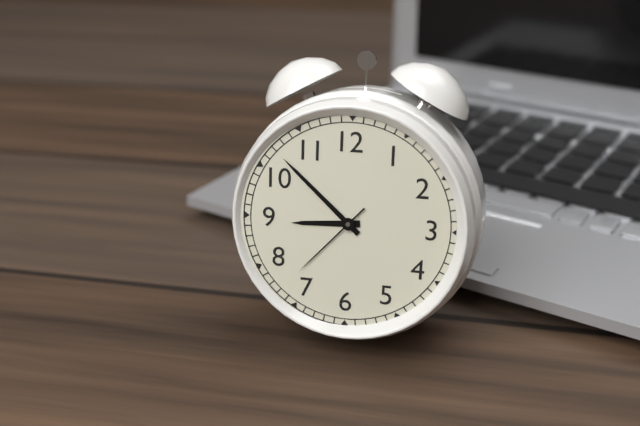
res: 8 h 52 min 37 s
